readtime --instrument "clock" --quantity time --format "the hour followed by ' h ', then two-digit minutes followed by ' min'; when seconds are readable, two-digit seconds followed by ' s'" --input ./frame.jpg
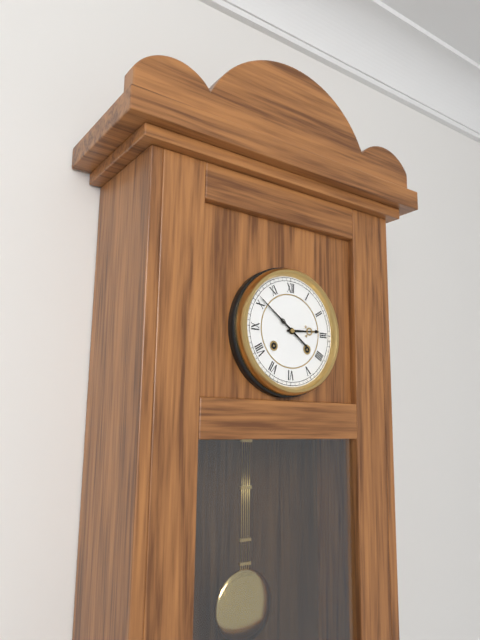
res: 2 h 51 min
